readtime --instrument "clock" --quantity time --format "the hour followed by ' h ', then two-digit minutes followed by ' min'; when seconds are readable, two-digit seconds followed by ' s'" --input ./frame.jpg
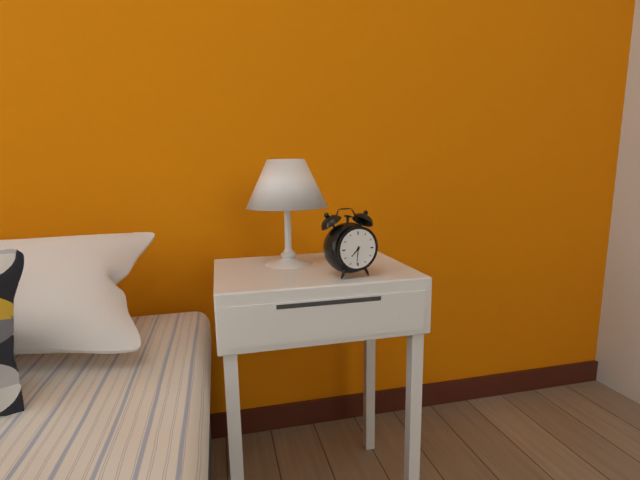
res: 7 h 31 min
